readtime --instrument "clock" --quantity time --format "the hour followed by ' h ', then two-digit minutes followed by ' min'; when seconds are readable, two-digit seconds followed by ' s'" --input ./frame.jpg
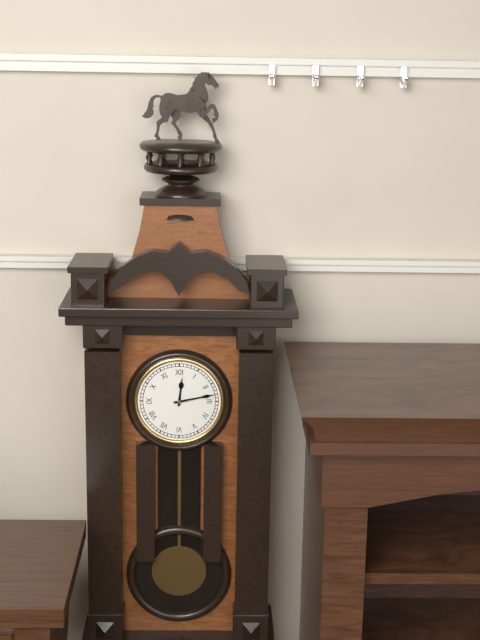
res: 12 h 13 min
